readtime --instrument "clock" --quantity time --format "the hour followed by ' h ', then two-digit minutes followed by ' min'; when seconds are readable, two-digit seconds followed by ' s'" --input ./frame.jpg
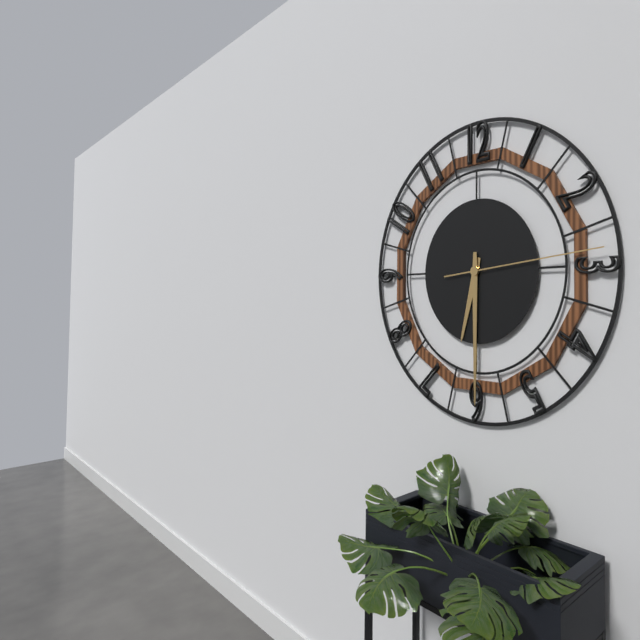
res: 6 h 30 min 14 s
